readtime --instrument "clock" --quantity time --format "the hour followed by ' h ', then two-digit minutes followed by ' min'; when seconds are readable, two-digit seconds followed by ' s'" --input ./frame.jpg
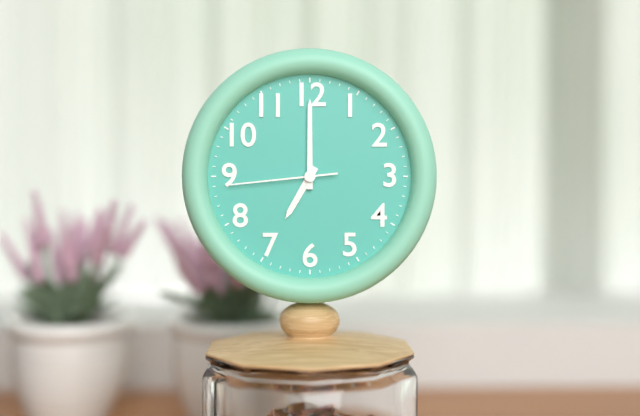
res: 7 h 00 min 44 s
